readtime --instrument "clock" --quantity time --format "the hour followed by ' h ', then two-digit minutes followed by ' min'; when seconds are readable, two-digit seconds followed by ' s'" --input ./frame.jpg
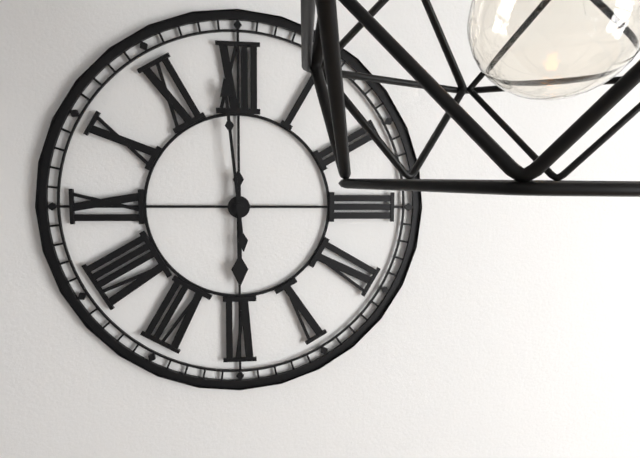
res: 5 h 59 min
